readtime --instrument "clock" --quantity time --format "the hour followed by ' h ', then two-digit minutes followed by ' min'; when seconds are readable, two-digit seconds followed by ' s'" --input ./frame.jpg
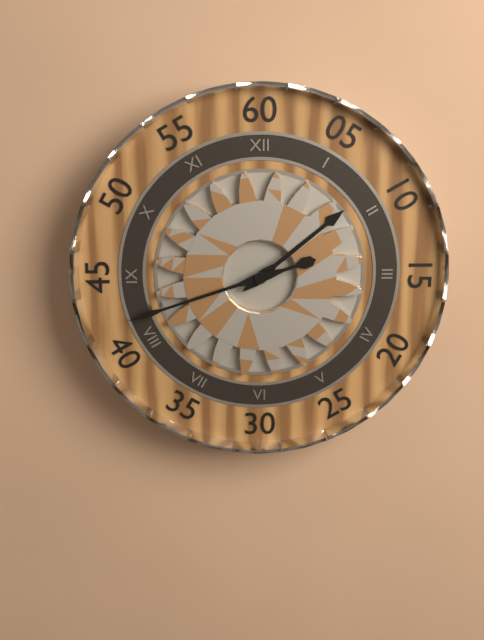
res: 1 h 42 min
